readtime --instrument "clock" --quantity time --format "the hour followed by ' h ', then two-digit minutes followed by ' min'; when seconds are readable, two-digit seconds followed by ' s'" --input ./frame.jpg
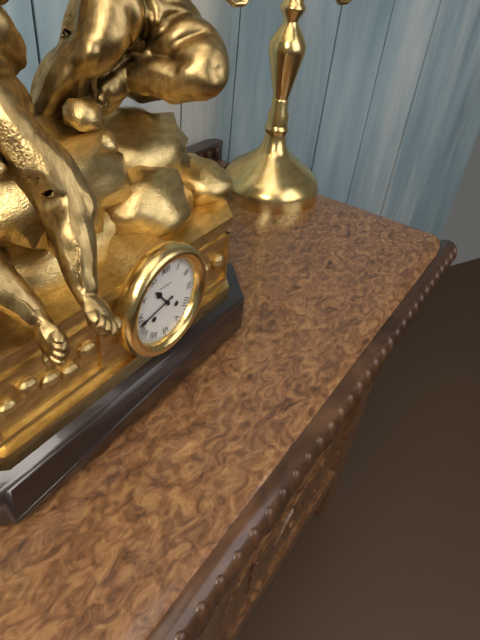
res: 10 h 43 min
